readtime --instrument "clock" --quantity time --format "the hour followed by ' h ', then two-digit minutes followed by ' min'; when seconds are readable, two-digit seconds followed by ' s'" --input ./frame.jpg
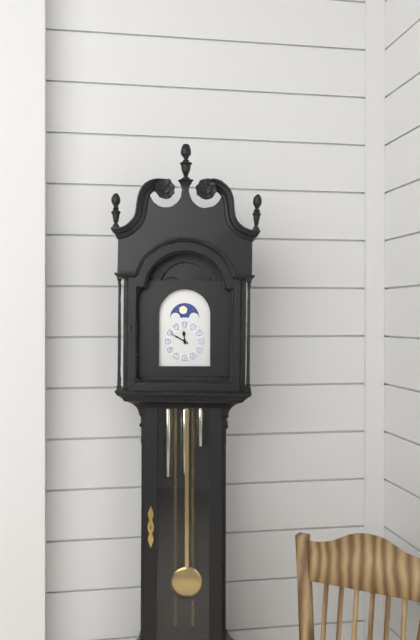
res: 11 h 50 min
